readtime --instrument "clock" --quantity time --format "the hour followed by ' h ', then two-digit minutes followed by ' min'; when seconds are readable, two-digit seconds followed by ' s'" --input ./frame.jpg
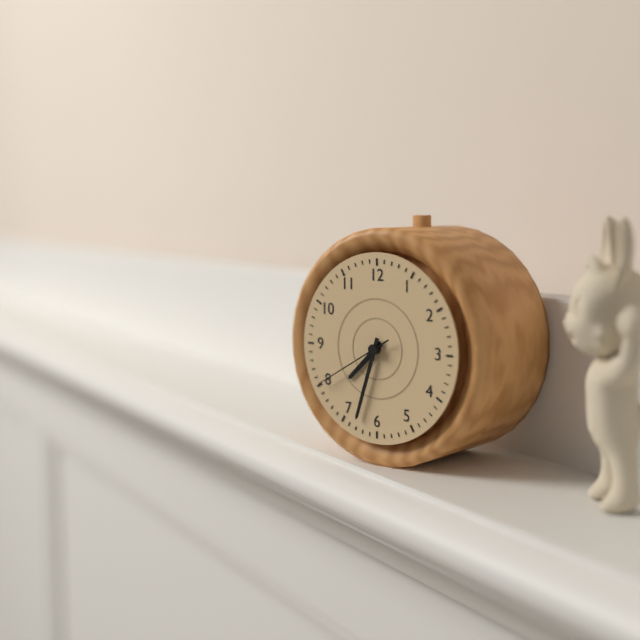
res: 7 h 33 min 40 s
